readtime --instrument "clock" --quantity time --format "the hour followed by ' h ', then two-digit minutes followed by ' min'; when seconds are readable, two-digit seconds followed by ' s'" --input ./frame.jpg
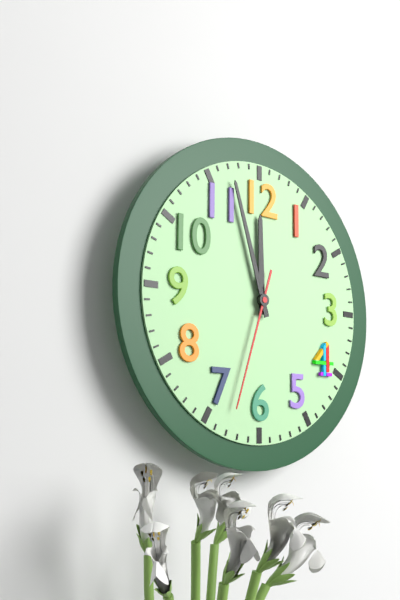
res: 11 h 57 min 33 s
